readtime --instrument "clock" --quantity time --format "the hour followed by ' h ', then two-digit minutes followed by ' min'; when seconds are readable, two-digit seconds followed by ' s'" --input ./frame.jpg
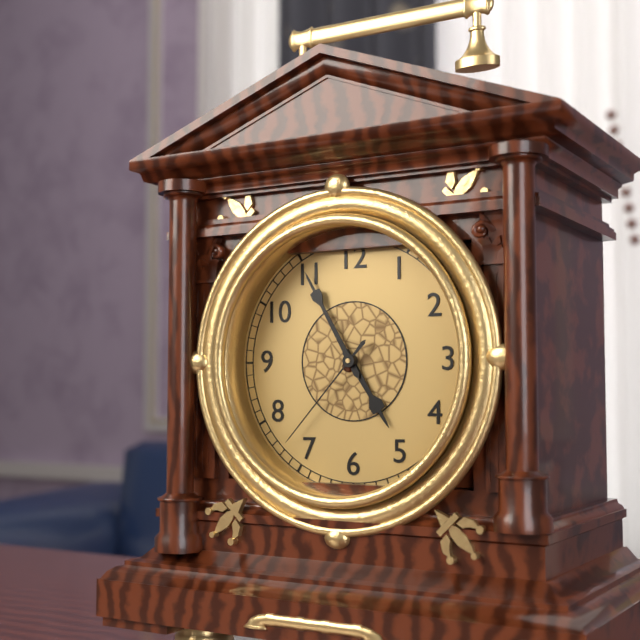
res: 4 h 55 min 37 s
